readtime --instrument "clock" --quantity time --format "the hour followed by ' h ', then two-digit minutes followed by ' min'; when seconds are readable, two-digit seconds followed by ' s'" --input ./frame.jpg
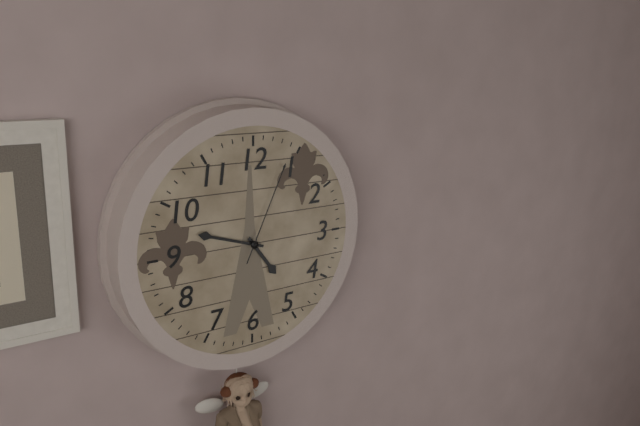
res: 4 h 48 min 04 s
